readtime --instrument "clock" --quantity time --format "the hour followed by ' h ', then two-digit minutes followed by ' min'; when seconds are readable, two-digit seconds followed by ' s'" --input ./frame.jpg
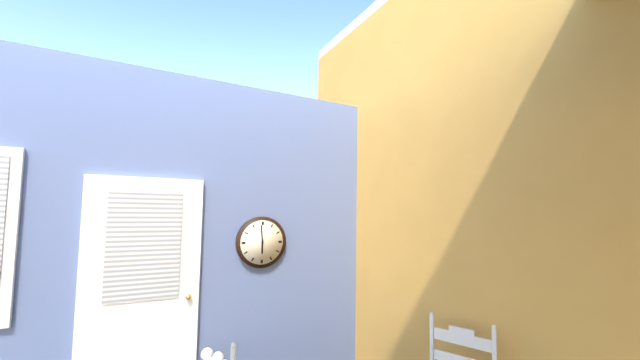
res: 5 h 59 min
